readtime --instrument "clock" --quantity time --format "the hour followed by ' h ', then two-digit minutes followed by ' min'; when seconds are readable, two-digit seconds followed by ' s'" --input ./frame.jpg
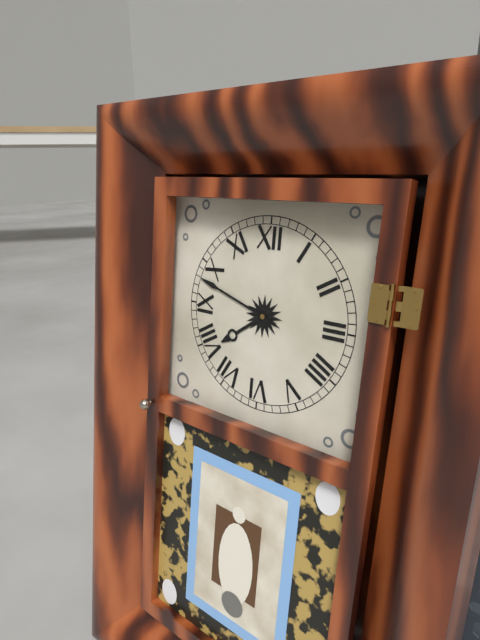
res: 7 h 48 min
